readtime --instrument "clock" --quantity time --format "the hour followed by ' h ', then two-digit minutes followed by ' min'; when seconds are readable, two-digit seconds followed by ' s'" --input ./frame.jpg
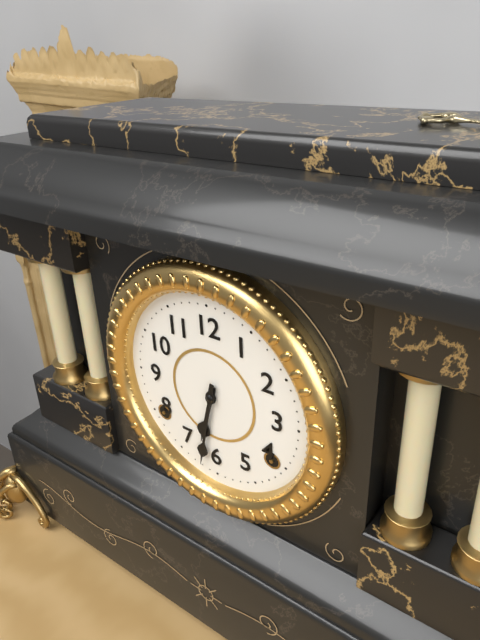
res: 6 h 32 min
